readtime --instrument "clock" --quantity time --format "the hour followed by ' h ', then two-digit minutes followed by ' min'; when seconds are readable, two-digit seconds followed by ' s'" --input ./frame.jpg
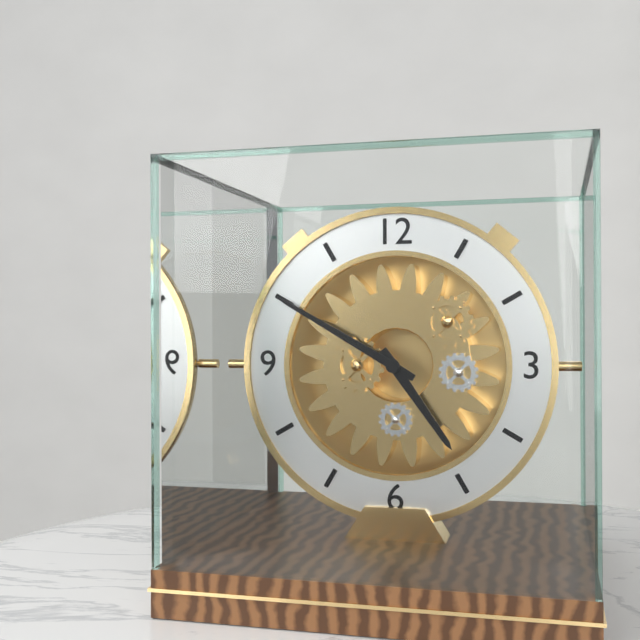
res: 4 h 50 min
